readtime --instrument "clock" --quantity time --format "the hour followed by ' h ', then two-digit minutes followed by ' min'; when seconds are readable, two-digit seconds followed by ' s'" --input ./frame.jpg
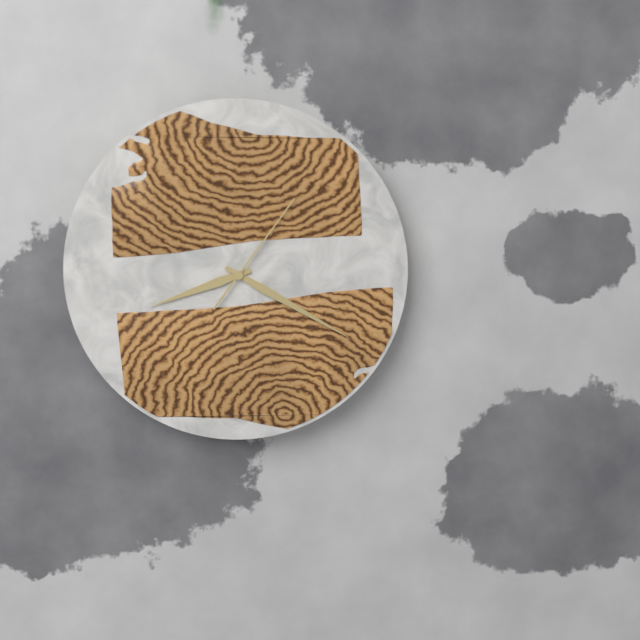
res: 8 h 20 min 06 s
